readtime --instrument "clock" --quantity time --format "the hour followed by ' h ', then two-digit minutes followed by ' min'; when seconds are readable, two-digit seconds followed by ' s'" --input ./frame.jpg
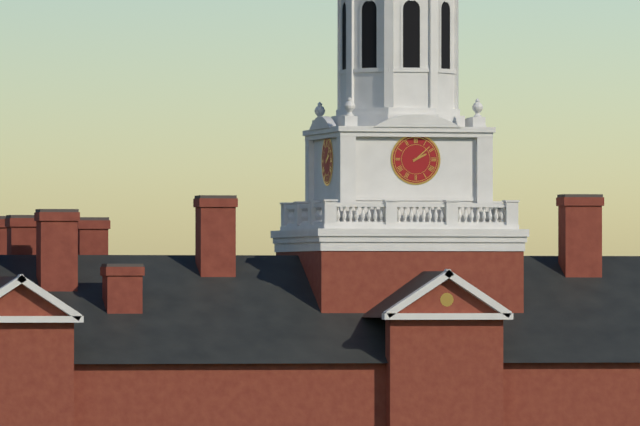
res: 2 h 08 min
